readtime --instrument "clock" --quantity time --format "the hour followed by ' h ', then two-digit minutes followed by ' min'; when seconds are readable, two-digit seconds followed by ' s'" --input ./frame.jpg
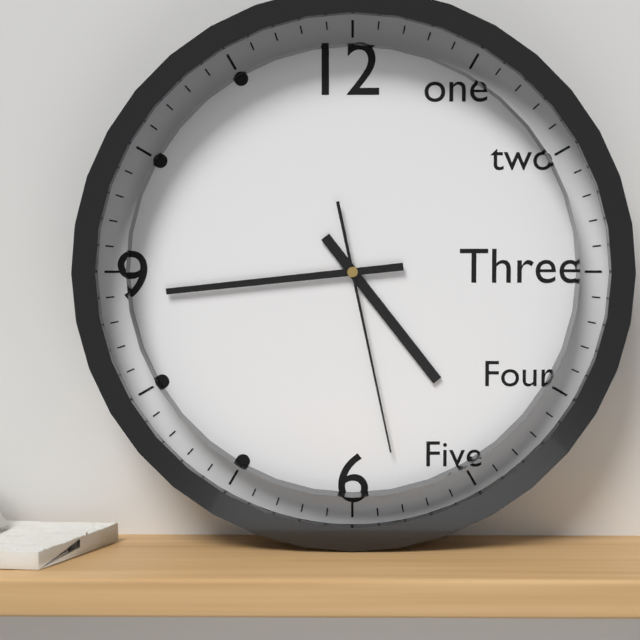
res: 4 h 44 min 28 s
